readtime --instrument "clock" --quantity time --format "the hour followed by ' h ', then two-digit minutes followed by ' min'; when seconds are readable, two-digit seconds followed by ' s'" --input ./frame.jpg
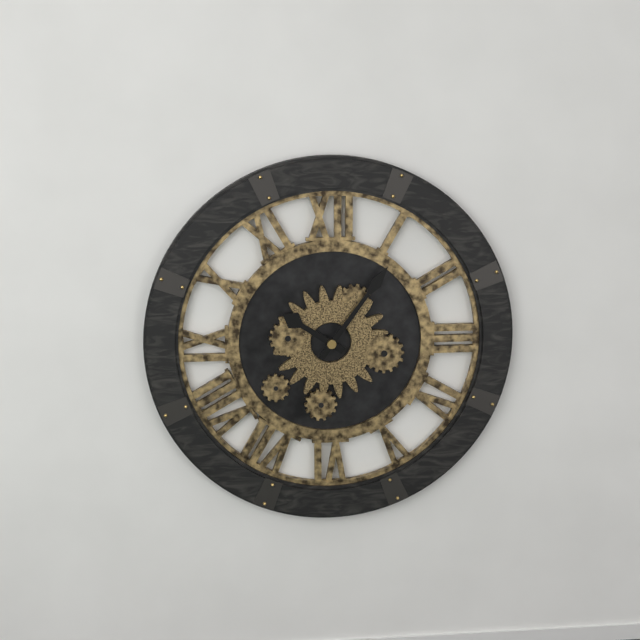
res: 10 h 06 min
